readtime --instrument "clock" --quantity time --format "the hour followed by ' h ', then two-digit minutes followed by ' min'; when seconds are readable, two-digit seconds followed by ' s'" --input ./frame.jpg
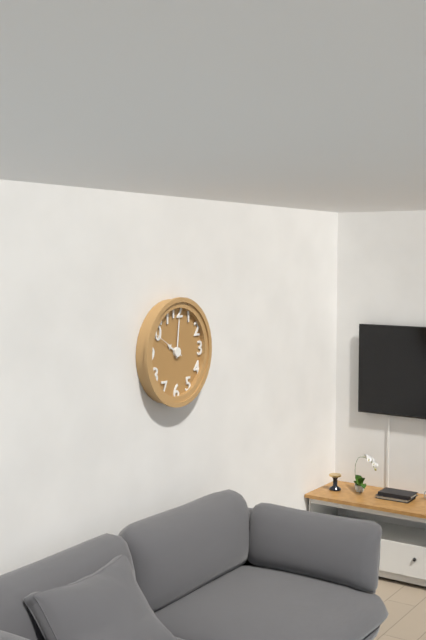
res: 10 h 01 min
